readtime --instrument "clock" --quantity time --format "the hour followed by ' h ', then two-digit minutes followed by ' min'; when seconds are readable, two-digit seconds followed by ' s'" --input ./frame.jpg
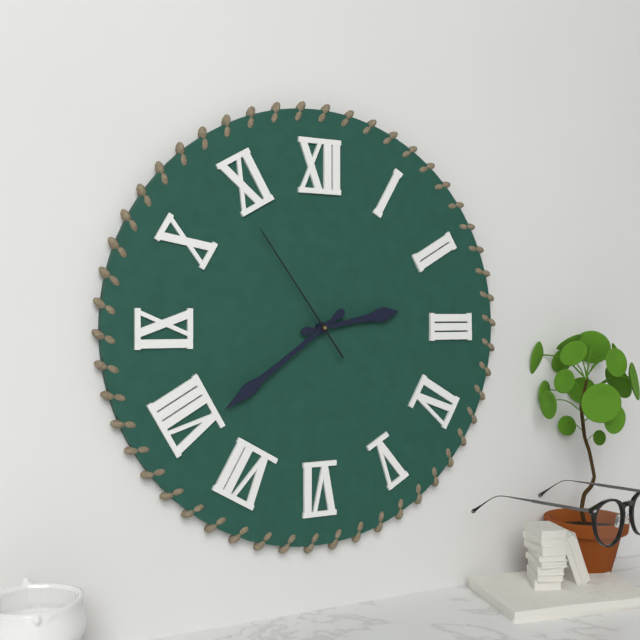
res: 2 h 39 min 54 s
